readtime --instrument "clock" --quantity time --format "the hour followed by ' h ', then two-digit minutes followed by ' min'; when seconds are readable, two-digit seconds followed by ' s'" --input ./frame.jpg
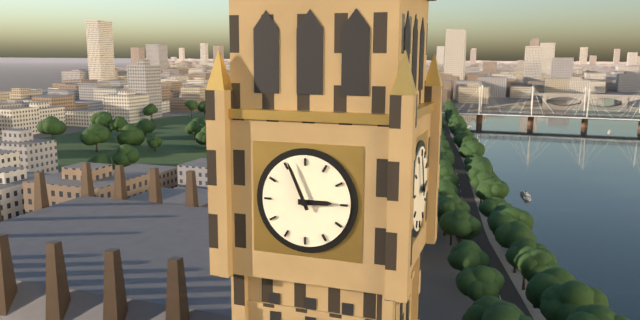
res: 2 h 56 min
